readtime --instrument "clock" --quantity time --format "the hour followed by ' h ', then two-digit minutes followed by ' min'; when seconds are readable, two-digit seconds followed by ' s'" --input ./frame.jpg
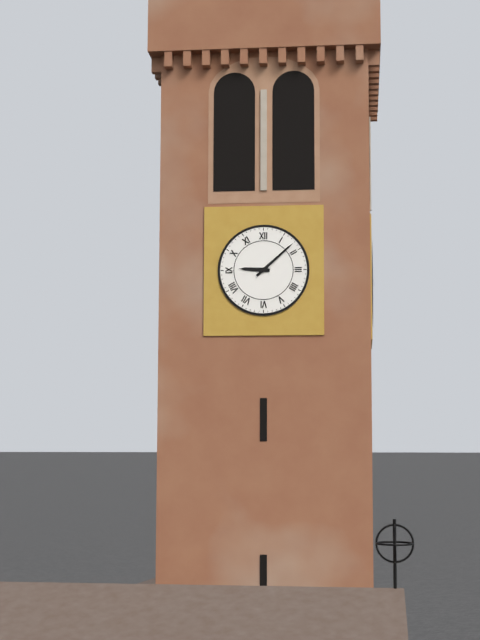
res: 9 h 08 min
